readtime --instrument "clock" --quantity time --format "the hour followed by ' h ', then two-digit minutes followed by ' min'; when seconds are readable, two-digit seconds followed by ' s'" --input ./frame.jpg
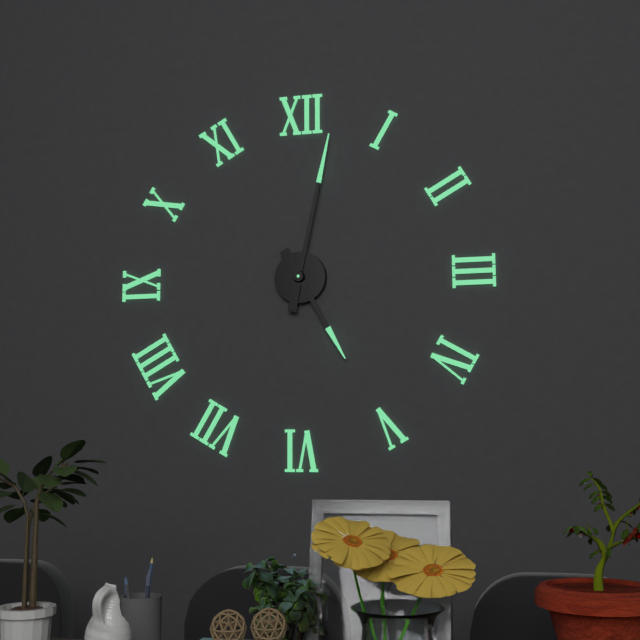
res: 5 h 02 min
